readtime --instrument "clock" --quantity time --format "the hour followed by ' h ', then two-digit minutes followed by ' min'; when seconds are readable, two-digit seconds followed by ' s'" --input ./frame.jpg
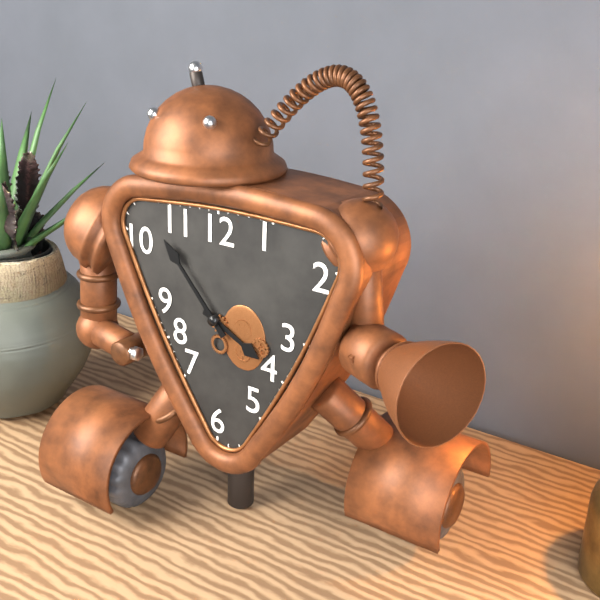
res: 3 h 53 min
